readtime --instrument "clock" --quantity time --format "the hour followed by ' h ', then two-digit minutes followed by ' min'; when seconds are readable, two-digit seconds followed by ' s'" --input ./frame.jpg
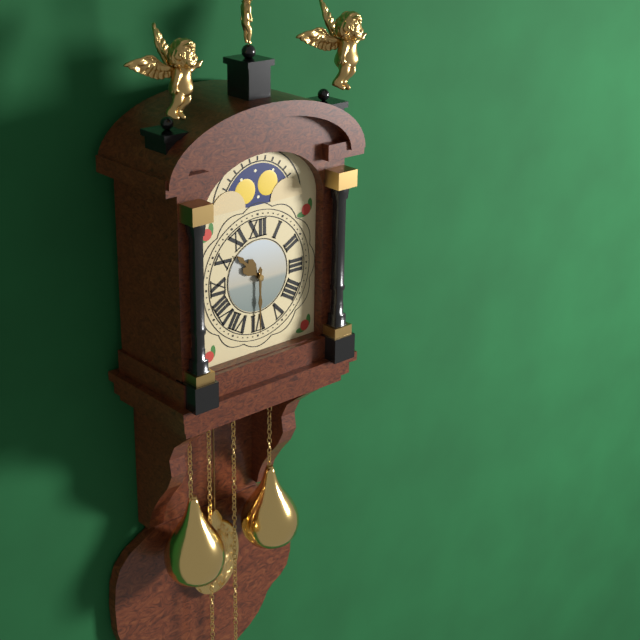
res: 10 h 30 min
